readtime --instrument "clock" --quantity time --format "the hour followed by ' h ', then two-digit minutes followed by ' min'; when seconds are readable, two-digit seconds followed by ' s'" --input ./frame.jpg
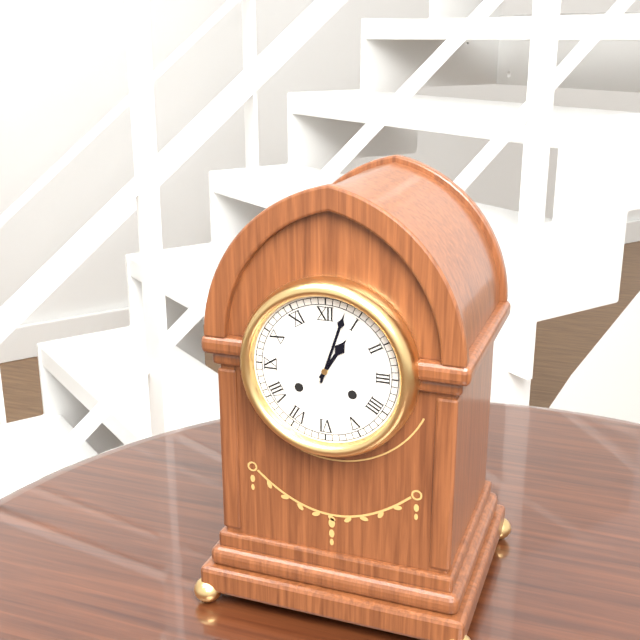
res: 1 h 03 min
